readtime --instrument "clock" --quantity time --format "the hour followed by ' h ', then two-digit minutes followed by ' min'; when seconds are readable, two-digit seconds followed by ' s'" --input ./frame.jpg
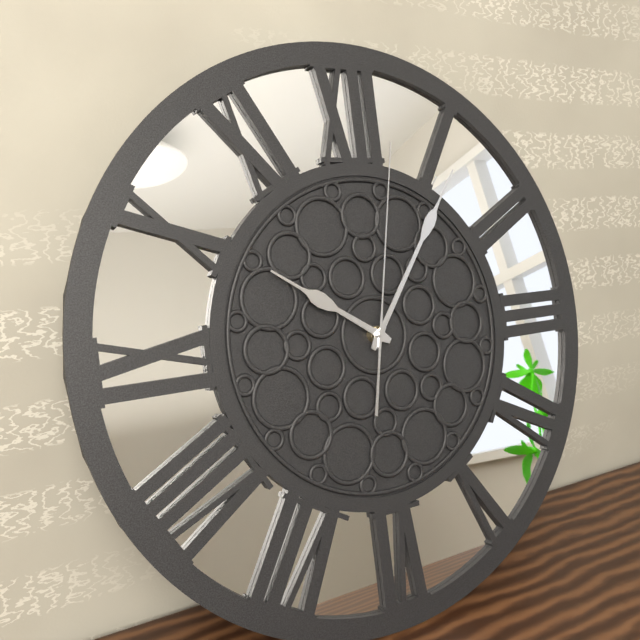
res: 10 h 06 min 02 s
